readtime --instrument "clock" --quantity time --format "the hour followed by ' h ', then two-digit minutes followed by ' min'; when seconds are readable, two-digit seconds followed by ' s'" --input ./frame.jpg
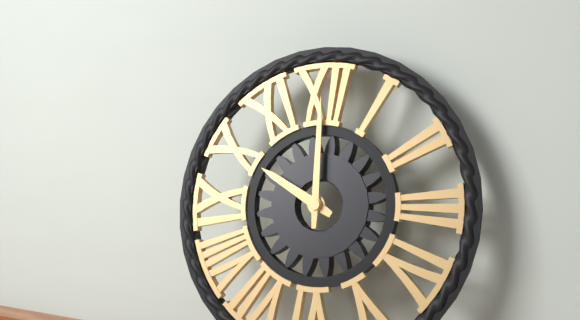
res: 10 h 00 min
